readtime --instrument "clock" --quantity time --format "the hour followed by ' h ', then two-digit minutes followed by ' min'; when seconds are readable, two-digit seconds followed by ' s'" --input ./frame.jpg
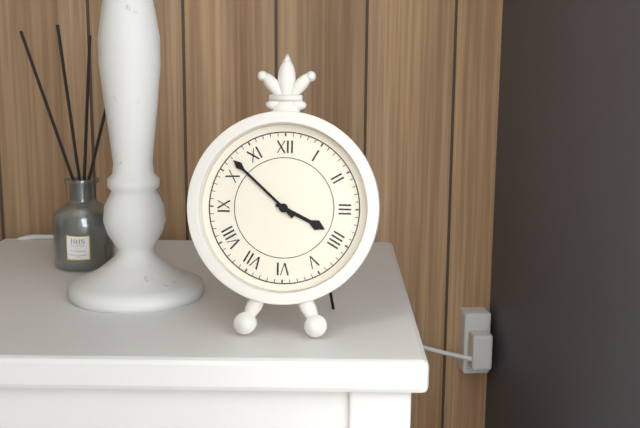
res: 3 h 52 min
